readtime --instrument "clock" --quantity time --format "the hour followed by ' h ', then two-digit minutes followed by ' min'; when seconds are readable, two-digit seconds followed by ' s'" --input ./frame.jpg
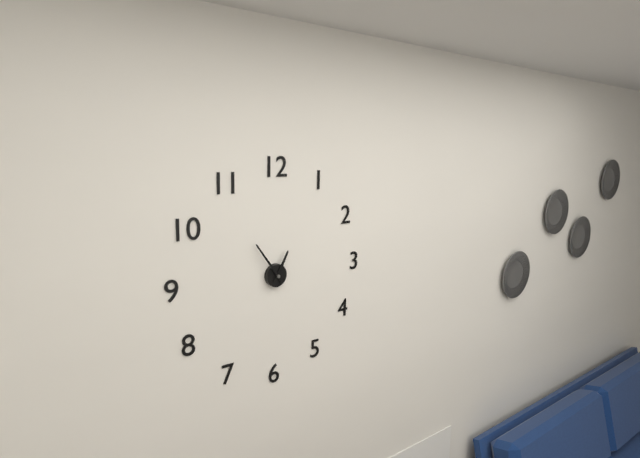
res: 12 h 54 min
